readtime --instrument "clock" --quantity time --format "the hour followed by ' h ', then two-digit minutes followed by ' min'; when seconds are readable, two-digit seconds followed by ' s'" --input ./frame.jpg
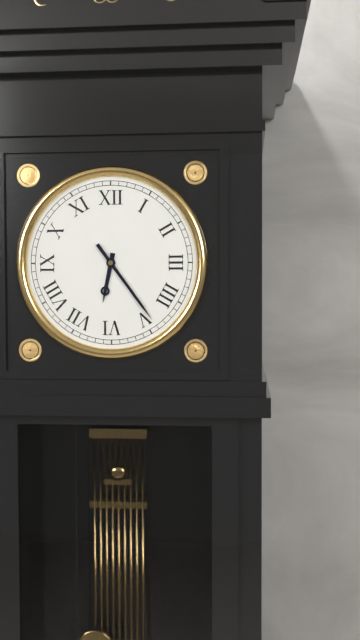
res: 6 h 24 min
